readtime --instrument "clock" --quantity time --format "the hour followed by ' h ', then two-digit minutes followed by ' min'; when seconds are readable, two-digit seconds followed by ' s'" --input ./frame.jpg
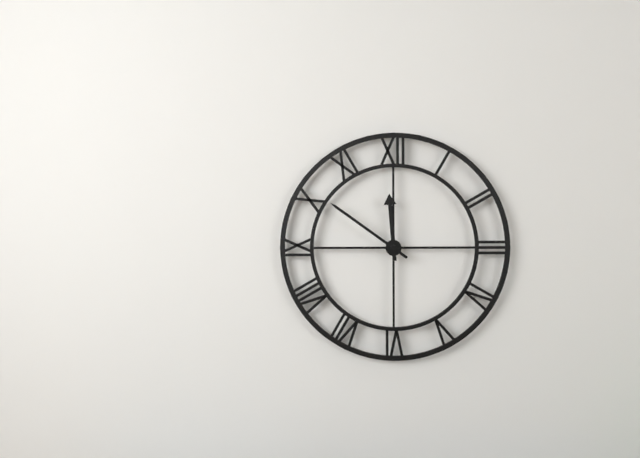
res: 11 h 51 min
